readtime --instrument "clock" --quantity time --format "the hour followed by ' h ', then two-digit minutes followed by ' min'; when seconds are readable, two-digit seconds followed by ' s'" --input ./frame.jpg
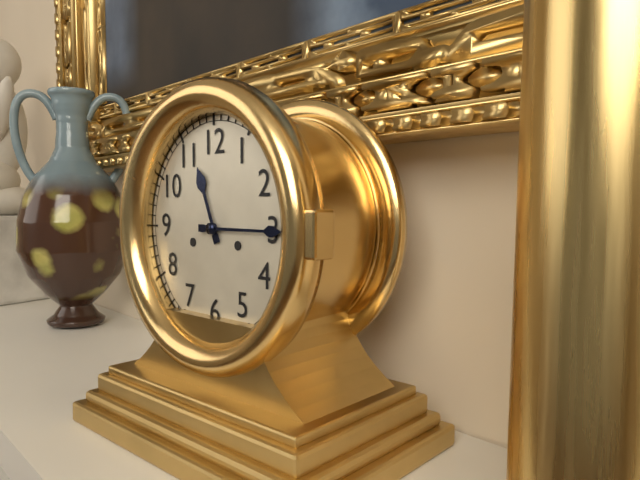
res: 11 h 15 min
